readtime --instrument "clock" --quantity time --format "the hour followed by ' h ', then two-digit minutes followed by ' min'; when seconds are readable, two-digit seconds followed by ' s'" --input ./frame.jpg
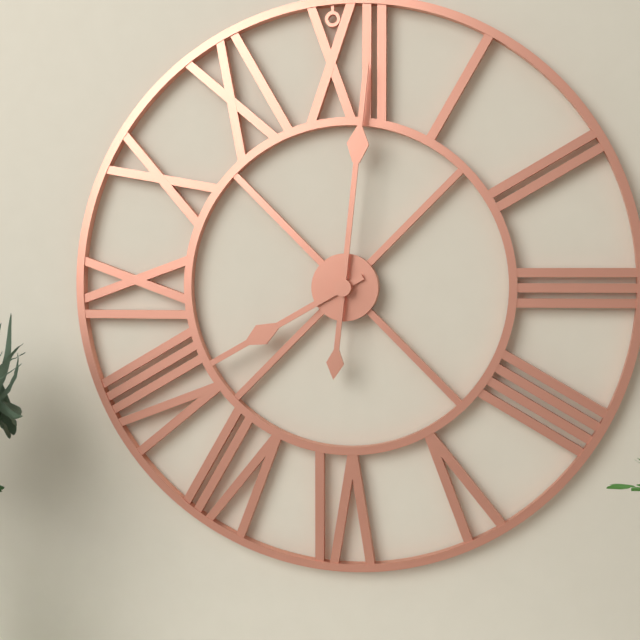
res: 8 h 01 min
